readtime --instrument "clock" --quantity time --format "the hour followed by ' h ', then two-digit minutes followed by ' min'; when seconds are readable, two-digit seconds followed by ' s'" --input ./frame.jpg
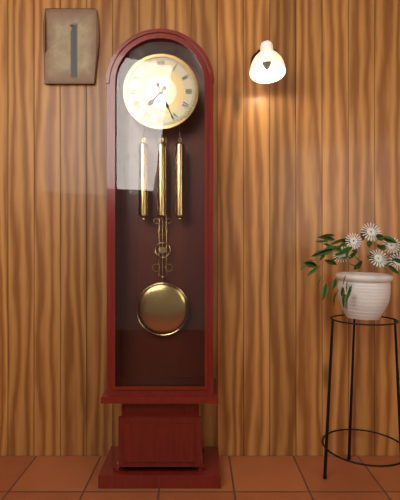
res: 7 h 26 min
